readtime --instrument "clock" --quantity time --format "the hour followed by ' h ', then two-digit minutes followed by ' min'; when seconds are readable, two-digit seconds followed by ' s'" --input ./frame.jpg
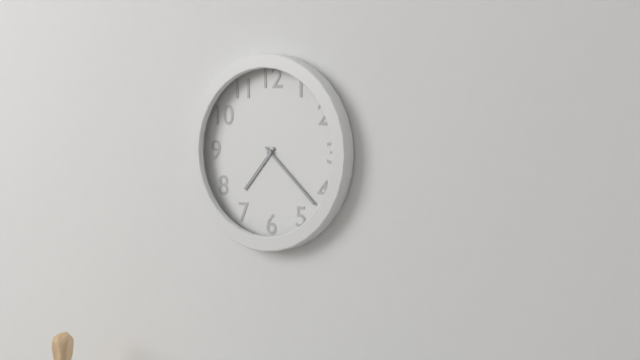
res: 7 h 22 min
